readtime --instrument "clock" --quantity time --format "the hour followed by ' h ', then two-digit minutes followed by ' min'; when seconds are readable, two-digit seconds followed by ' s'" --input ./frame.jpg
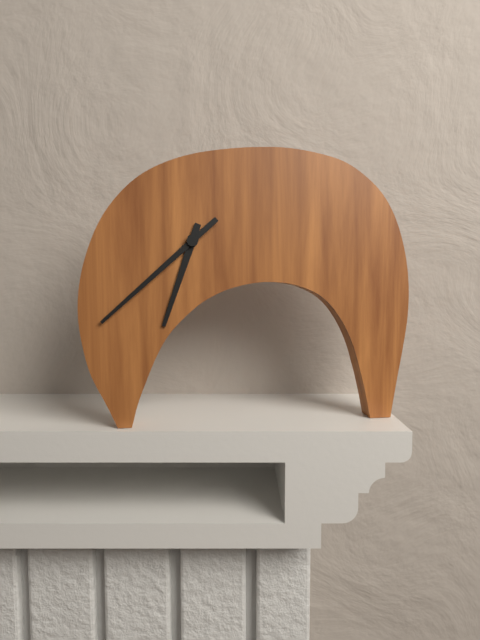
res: 6 h 38 min
